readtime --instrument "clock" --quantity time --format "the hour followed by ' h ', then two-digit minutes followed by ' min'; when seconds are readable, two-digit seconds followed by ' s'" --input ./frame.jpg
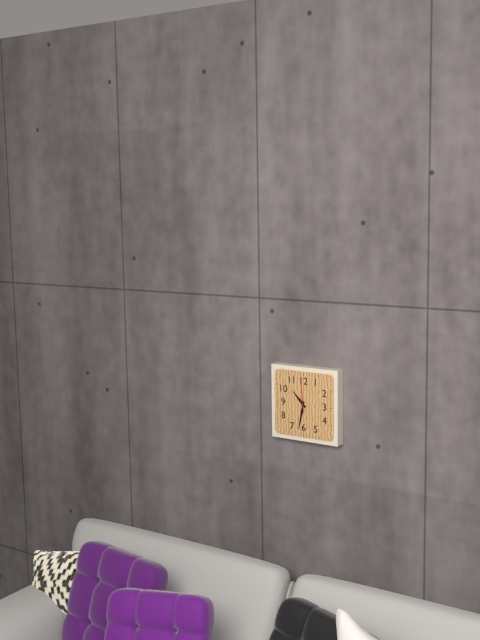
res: 10 h 32 min
